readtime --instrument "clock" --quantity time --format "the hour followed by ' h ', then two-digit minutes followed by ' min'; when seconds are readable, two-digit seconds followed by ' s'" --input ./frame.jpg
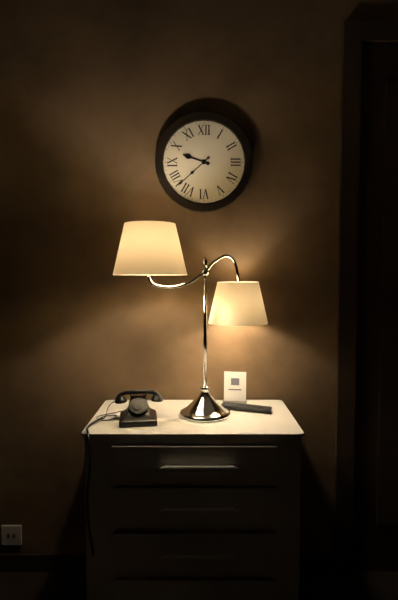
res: 9 h 38 min
